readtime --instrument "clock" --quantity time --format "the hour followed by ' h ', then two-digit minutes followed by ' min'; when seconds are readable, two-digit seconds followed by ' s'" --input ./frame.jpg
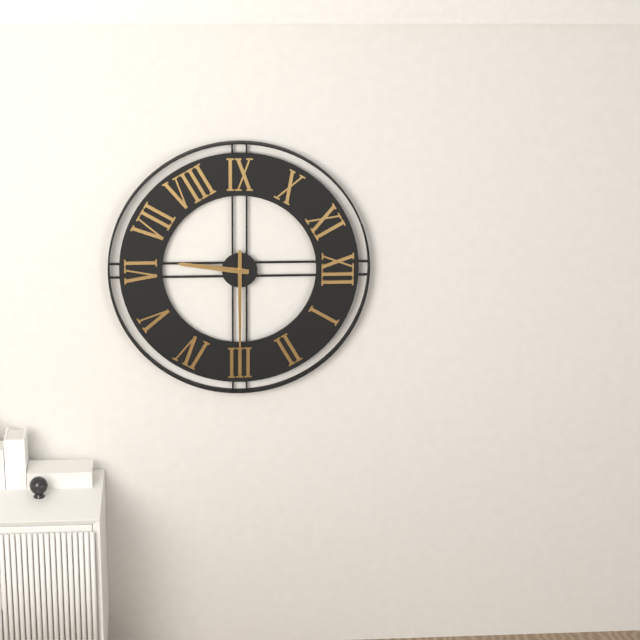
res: 6 h 15 min
